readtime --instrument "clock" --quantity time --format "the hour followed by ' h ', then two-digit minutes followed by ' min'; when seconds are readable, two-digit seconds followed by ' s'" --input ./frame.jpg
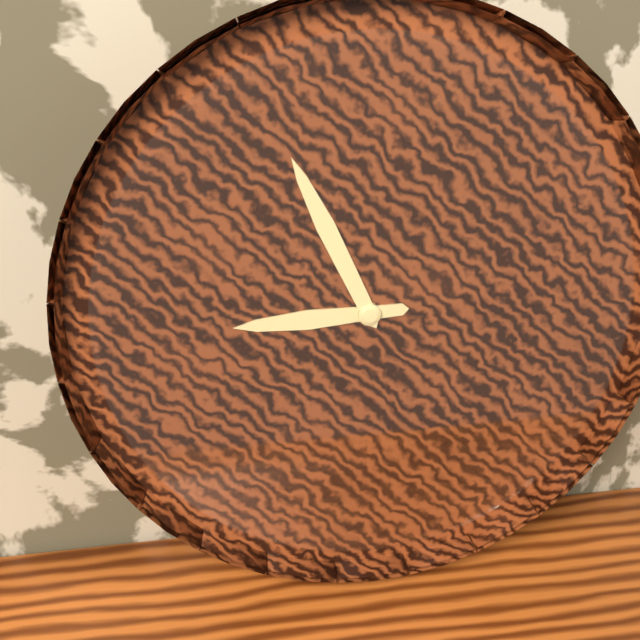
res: 8 h 56 min
